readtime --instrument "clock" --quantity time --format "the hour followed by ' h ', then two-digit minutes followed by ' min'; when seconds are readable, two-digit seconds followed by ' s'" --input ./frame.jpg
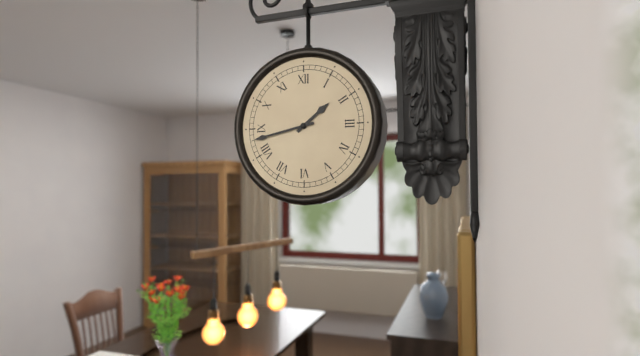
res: 1 h 43 min
